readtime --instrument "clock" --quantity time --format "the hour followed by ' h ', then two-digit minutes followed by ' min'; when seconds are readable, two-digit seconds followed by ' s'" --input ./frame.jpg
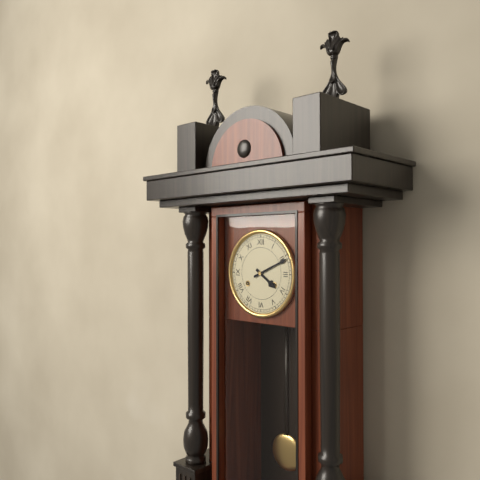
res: 4 h 11 min
